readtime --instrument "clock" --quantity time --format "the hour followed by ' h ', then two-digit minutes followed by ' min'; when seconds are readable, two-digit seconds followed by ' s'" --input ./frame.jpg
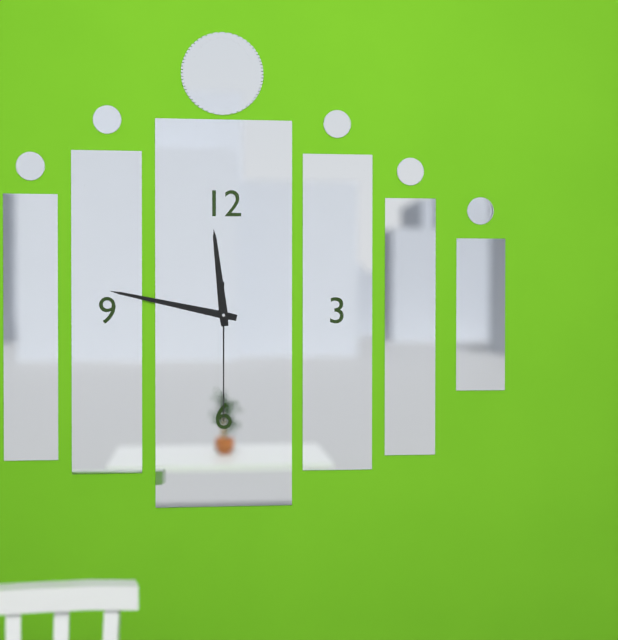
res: 11 h 47 min 30 s
